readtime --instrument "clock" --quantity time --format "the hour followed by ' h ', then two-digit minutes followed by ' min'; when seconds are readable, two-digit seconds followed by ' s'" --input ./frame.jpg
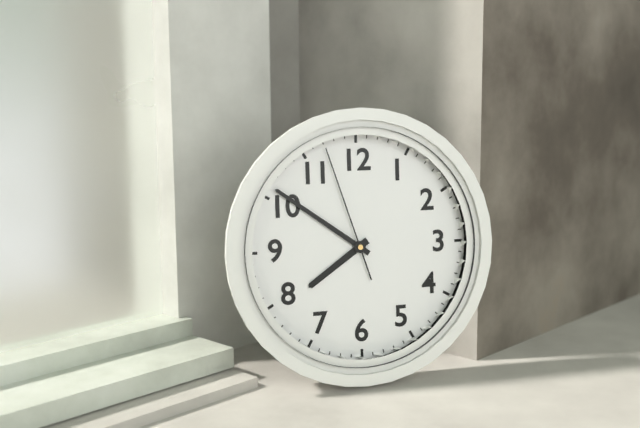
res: 7 h 51 min 57 s
